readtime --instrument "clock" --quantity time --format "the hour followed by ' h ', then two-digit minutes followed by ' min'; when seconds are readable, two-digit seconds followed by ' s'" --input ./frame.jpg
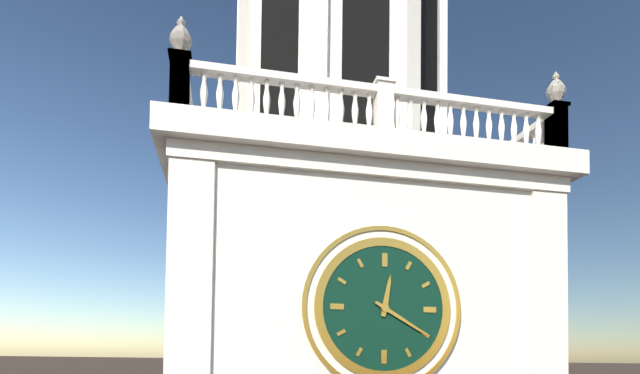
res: 12 h 20 min
